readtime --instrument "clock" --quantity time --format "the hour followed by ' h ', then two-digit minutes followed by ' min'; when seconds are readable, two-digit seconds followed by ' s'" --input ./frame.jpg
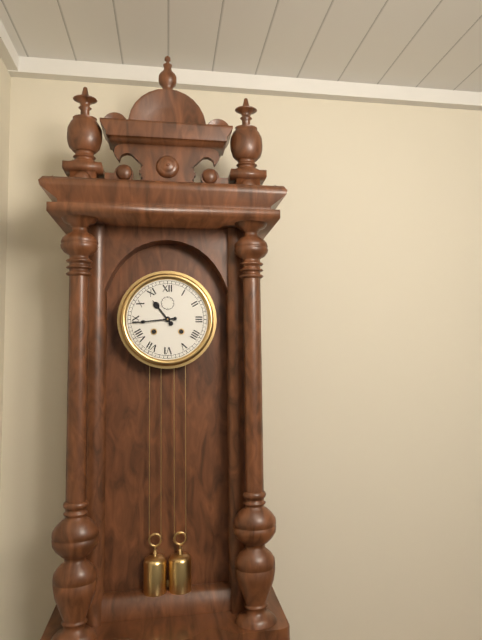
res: 10 h 44 min
